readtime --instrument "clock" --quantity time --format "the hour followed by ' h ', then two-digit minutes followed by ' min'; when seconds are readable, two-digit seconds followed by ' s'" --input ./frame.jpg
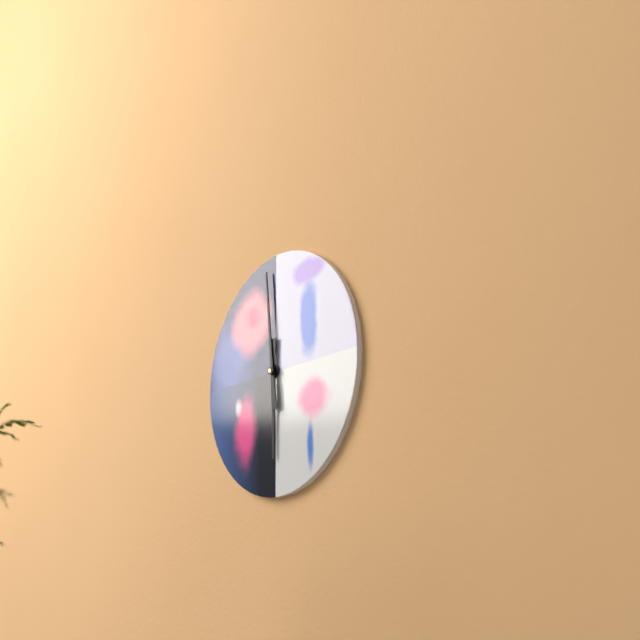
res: 5 h 59 min
